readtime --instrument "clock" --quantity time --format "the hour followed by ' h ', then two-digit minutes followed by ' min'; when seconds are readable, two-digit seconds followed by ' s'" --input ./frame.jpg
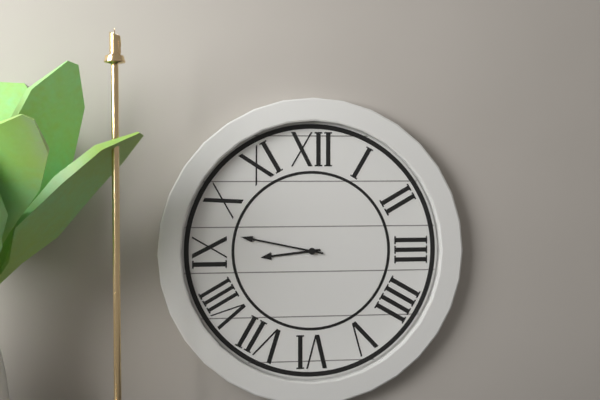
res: 8 h 47 min
